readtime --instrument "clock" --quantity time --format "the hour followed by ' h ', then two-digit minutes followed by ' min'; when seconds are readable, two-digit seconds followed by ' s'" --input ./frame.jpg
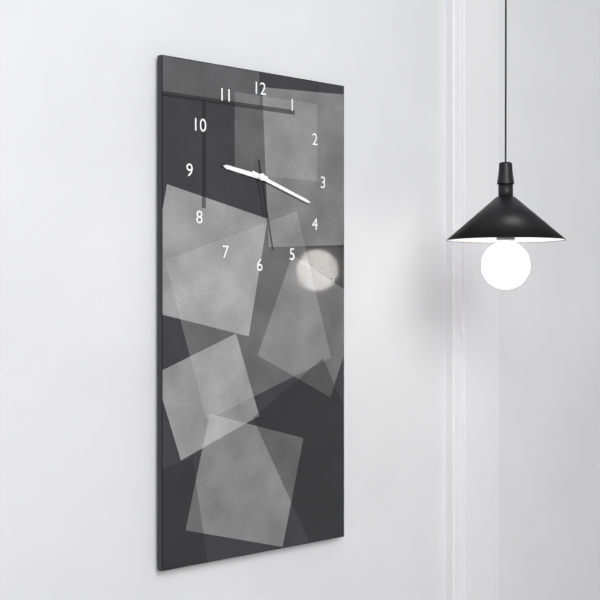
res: 9 h 18 min 28 s
